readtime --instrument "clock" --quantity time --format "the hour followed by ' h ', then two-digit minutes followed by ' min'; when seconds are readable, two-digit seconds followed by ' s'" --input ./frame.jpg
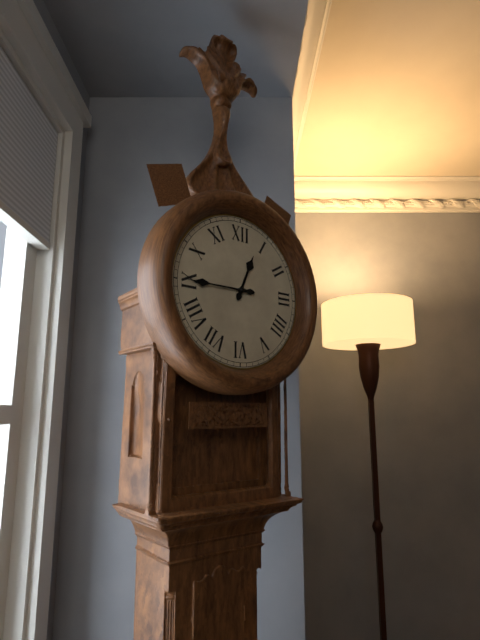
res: 12 h 45 min
